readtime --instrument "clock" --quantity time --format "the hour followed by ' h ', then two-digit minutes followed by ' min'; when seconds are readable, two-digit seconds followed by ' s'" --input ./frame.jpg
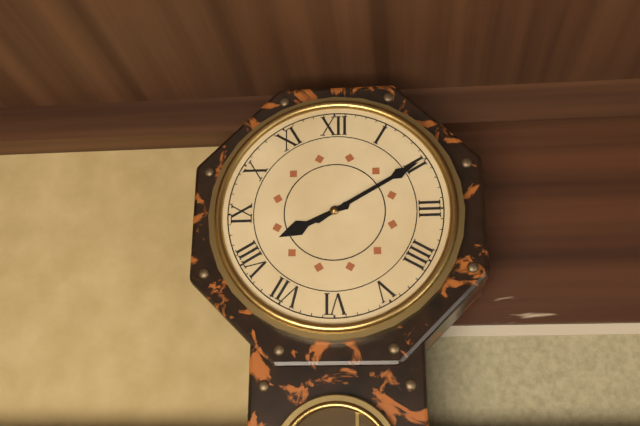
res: 8 h 10 min
